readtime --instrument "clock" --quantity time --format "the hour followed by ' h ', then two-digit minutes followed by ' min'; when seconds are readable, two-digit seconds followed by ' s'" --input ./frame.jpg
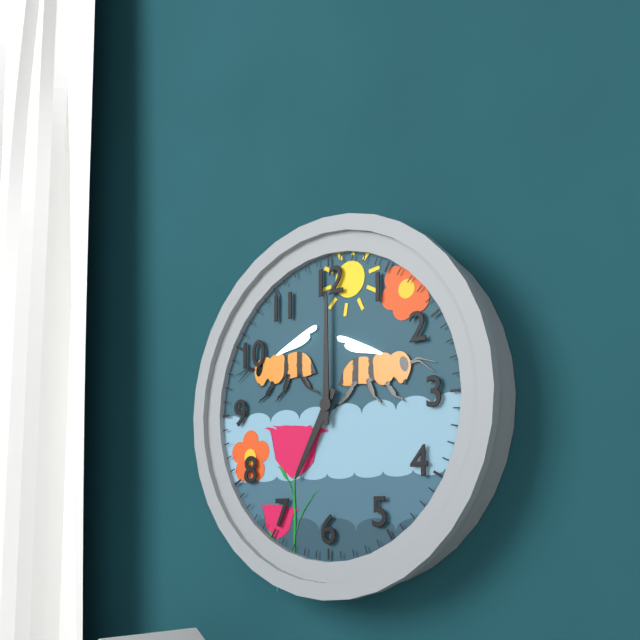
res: 7 h 00 min
